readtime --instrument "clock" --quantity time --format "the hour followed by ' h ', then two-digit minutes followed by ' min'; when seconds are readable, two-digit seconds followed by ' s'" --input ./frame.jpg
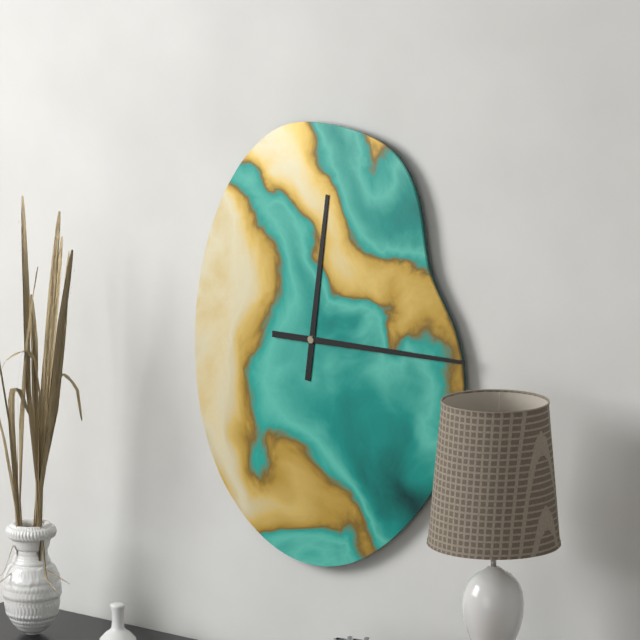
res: 12 h 15 min
